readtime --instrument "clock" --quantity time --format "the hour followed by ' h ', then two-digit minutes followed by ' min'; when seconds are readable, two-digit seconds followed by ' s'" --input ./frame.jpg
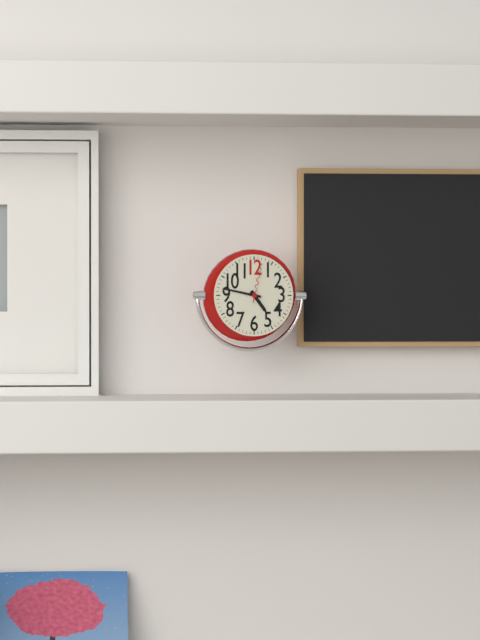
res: 4 h 47 min
